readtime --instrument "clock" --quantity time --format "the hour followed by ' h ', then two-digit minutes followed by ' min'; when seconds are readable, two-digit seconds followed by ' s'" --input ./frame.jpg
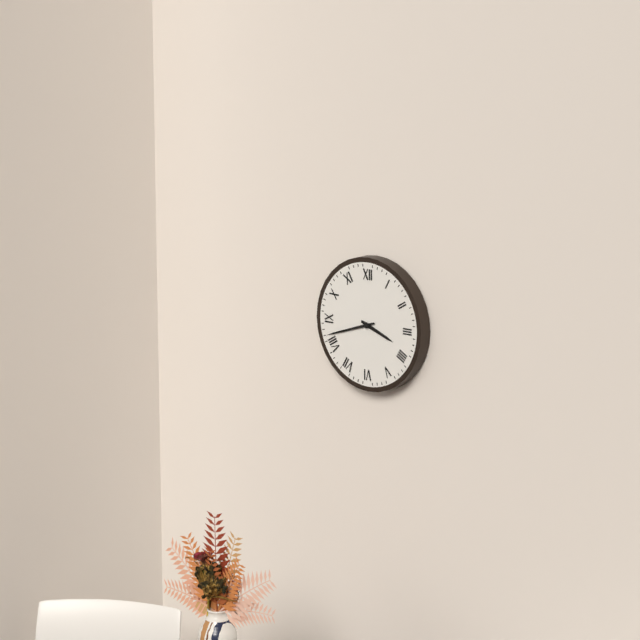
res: 3 h 42 min
